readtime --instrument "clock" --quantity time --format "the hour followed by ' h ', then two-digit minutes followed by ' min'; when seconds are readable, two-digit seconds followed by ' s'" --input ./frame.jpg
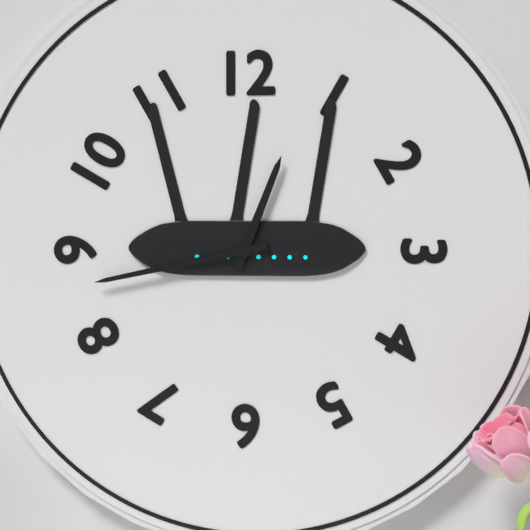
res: 12 h 43 min
